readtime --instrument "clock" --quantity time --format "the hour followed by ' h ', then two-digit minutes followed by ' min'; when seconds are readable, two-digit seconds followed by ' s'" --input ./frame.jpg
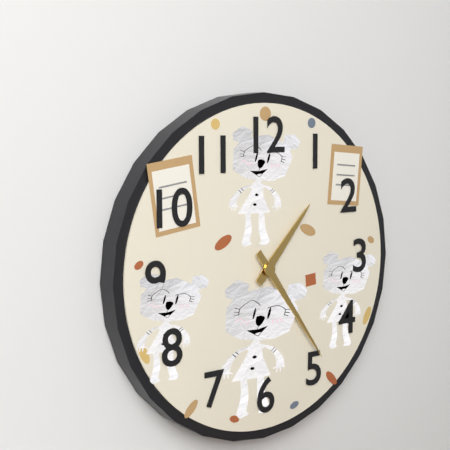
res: 1 h 24 min
